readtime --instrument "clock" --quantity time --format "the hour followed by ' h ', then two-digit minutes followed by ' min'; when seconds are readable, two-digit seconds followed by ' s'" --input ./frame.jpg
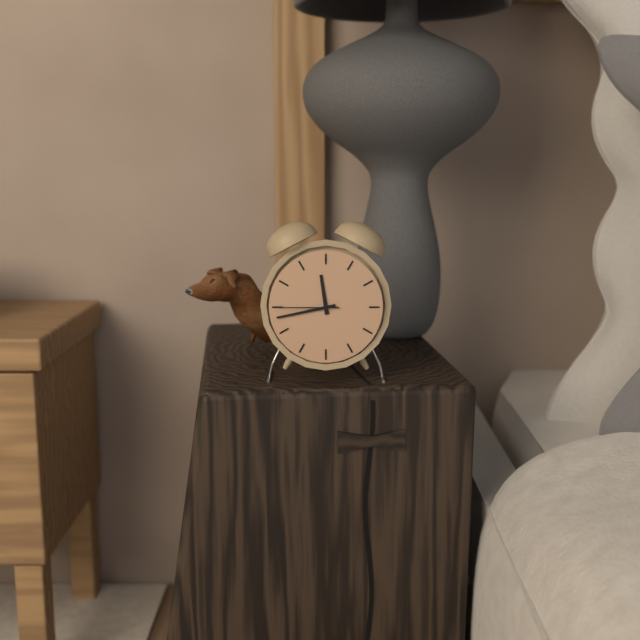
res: 11 h 43 min 45 s
